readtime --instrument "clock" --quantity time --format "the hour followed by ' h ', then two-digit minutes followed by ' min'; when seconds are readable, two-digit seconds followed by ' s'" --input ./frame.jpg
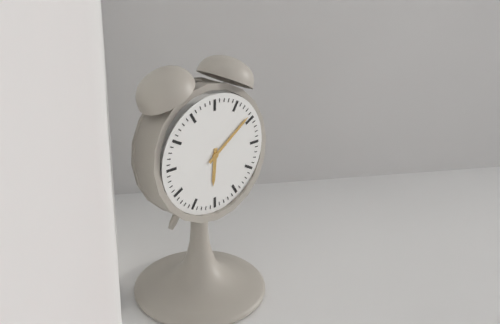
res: 6 h 09 min
